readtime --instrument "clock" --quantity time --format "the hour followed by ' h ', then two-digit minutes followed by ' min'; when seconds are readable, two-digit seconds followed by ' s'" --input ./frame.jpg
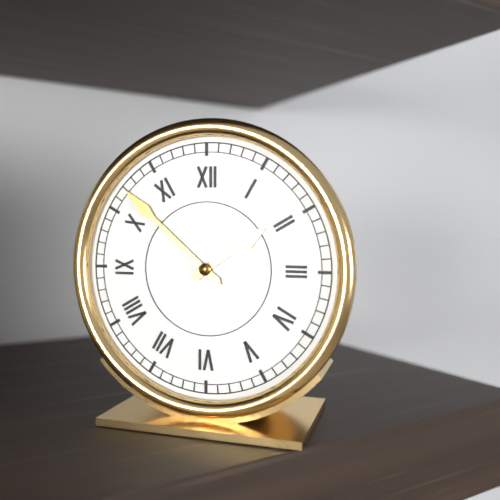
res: 1 h 52 min
